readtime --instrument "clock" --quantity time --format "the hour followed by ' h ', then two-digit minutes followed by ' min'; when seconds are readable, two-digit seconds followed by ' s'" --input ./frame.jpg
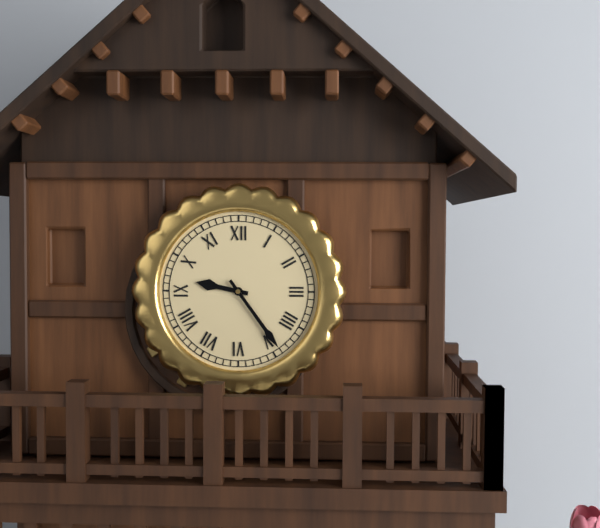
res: 9 h 24 min
